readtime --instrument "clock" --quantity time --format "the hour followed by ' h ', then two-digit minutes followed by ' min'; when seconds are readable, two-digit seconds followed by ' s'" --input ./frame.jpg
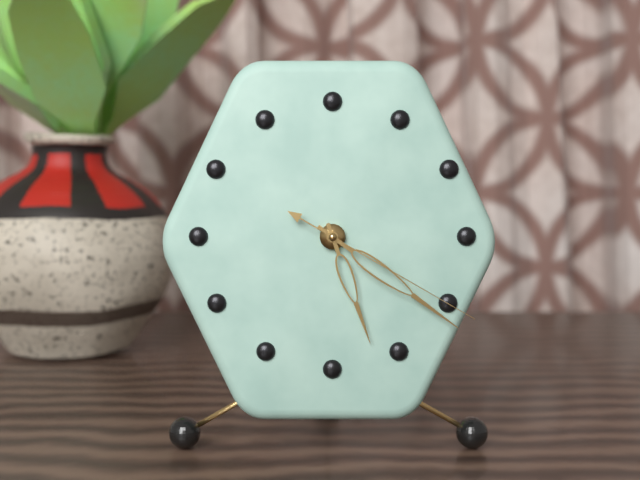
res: 5 h 21 min 20 s
